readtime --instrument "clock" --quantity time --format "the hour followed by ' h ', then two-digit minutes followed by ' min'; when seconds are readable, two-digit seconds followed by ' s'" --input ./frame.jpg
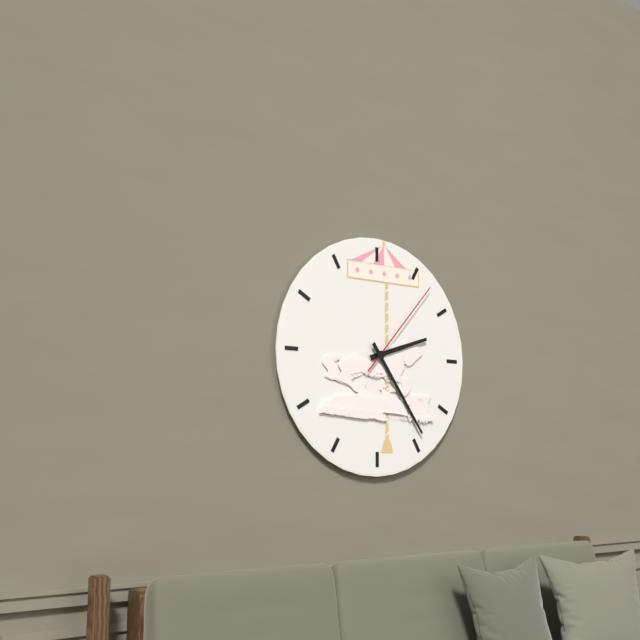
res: 2 h 24 min 07 s
